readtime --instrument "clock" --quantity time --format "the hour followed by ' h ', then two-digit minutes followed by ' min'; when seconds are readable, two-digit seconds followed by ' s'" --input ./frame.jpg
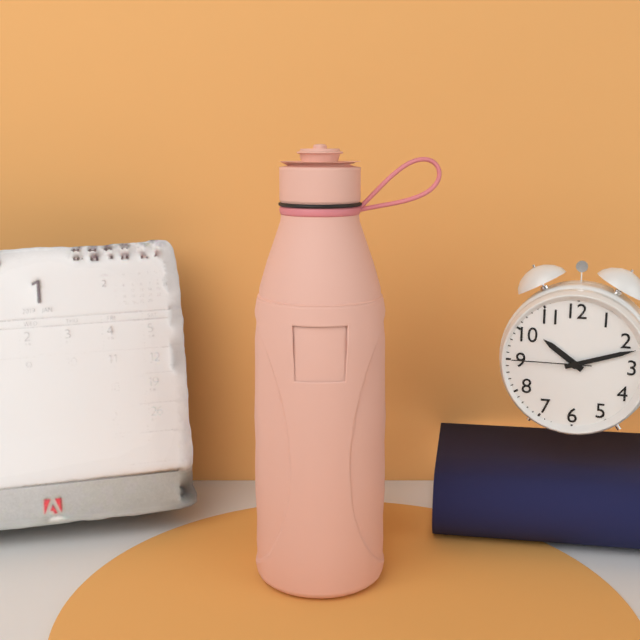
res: 10 h 12 min 45 s
